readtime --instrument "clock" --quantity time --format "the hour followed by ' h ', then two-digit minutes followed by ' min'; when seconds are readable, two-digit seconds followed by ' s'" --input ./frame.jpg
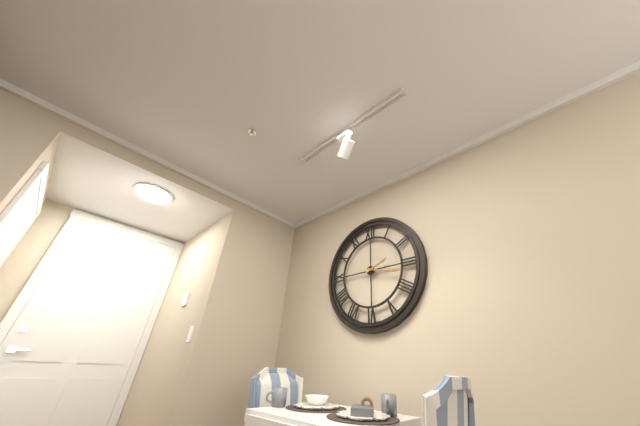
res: 2 h 17 min
